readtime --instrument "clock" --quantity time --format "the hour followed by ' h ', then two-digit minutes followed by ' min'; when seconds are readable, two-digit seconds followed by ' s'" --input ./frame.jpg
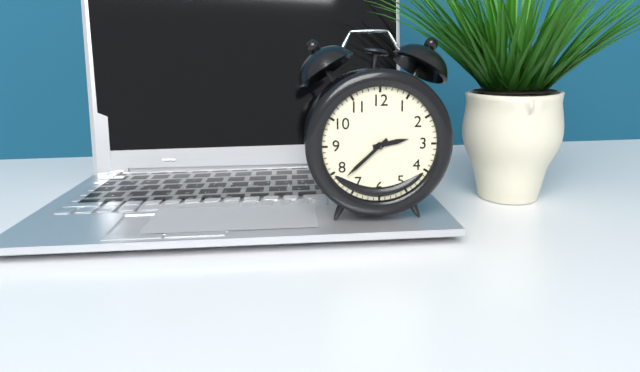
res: 2 h 38 min
